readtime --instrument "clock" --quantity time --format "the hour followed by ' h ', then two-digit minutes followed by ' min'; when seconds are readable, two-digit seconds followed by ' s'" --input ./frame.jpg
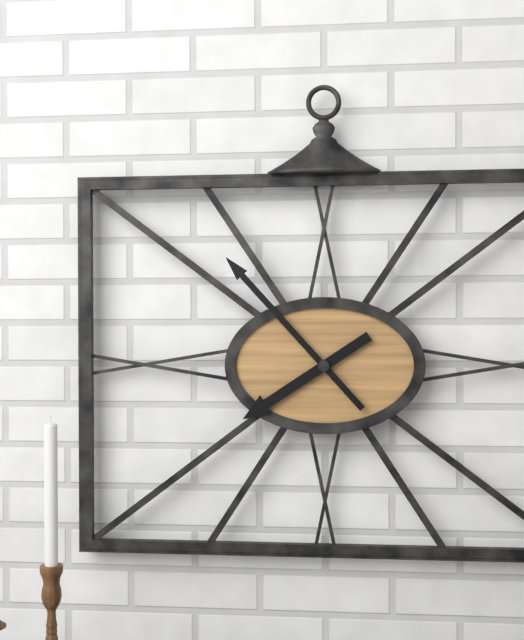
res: 7 h 53 min
